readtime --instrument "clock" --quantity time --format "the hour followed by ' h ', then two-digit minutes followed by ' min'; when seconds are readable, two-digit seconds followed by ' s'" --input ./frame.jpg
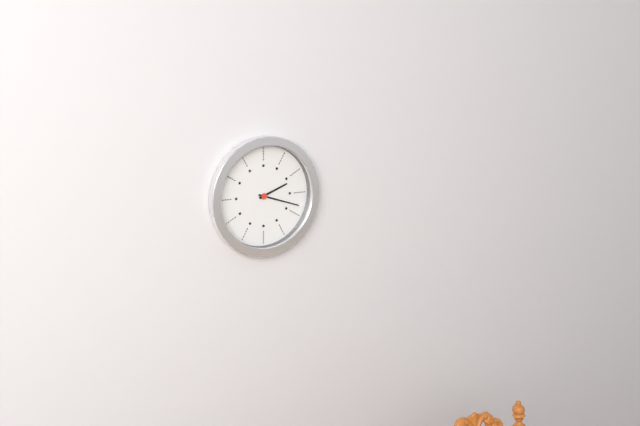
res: 2 h 18 min
